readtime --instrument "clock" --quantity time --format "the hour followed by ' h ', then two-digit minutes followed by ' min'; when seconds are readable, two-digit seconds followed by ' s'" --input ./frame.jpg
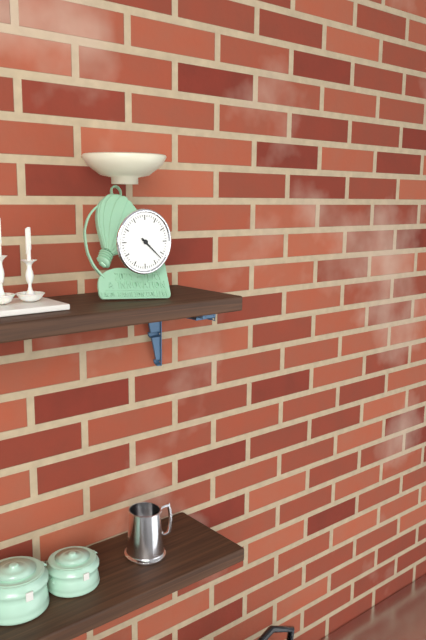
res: 4 h 22 min
